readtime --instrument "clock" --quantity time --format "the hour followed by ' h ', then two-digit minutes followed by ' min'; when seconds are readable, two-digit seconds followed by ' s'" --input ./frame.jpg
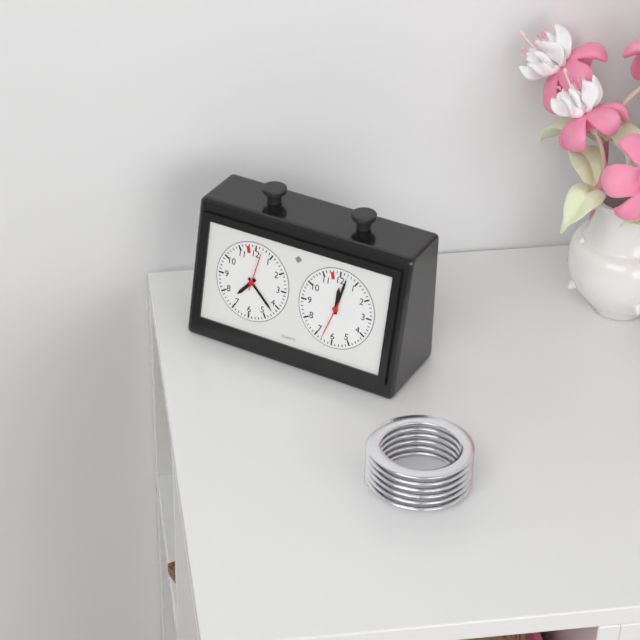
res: 7 h 22 min
